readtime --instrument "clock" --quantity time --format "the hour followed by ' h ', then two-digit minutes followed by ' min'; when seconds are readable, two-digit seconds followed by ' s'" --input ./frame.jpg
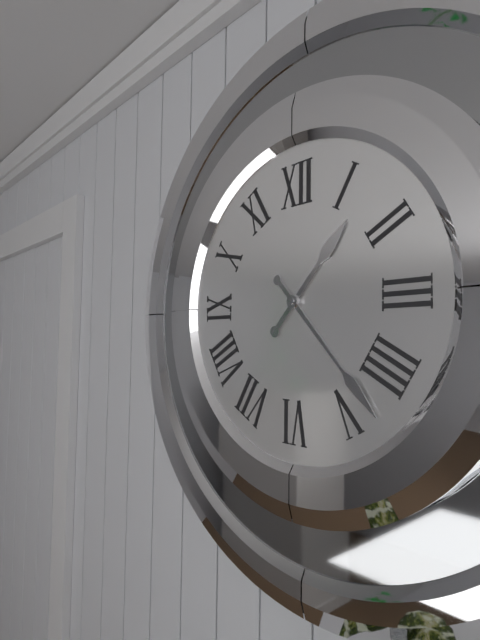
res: 1 h 23 min
